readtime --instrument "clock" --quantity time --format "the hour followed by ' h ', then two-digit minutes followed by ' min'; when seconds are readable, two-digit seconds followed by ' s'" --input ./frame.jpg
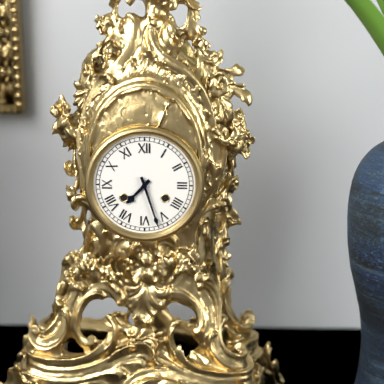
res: 7 h 27 min
